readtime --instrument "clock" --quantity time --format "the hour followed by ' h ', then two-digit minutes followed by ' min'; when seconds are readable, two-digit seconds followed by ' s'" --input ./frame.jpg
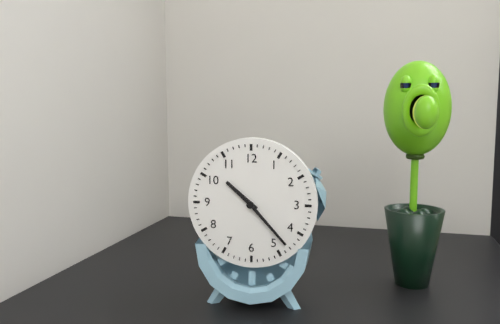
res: 10 h 23 min
